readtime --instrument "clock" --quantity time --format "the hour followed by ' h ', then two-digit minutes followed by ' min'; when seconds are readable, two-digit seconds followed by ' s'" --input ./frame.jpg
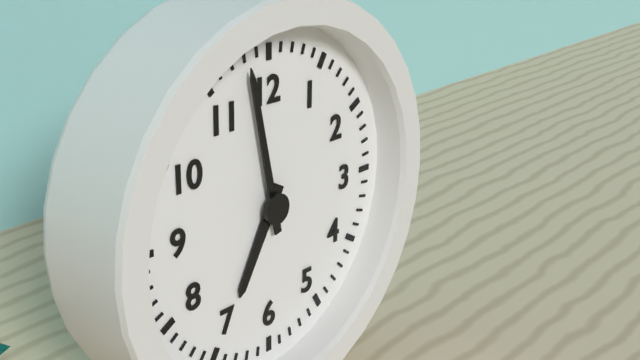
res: 6 h 58 min
